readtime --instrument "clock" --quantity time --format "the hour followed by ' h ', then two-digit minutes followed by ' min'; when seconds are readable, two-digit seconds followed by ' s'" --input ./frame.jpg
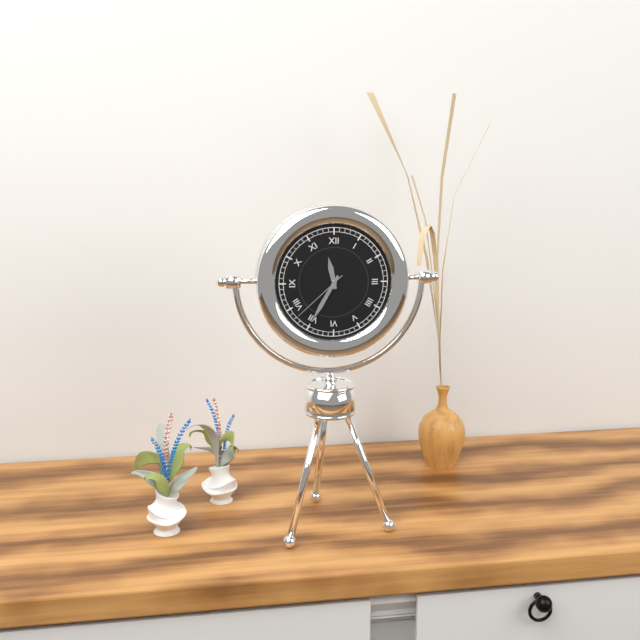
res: 11 h 35 min 38 s
